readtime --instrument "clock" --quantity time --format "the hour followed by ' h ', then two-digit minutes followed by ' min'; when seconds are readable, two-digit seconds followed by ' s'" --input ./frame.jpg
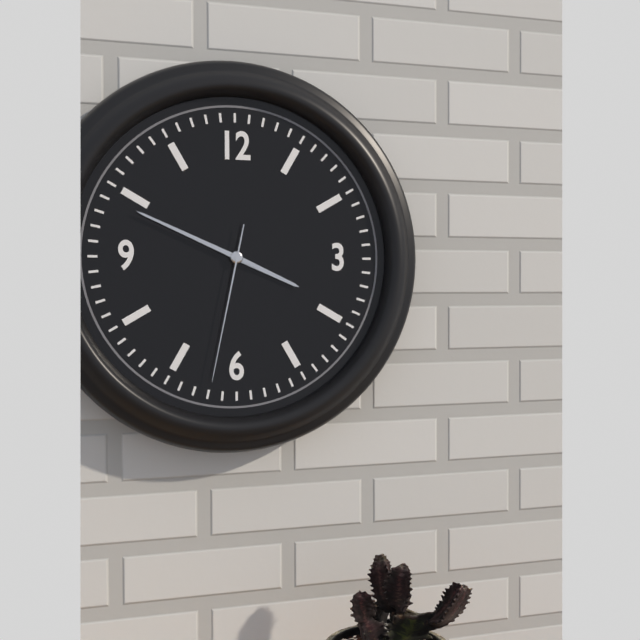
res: 3 h 49 min 32 s
